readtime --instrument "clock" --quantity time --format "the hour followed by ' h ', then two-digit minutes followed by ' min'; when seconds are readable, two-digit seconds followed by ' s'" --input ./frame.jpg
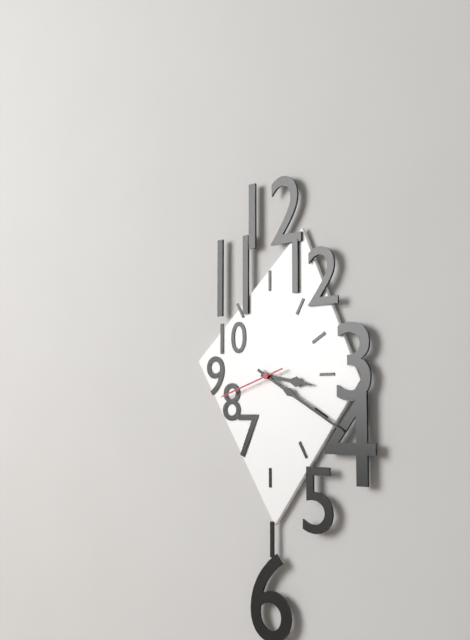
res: 3 h 20 min 42 s
